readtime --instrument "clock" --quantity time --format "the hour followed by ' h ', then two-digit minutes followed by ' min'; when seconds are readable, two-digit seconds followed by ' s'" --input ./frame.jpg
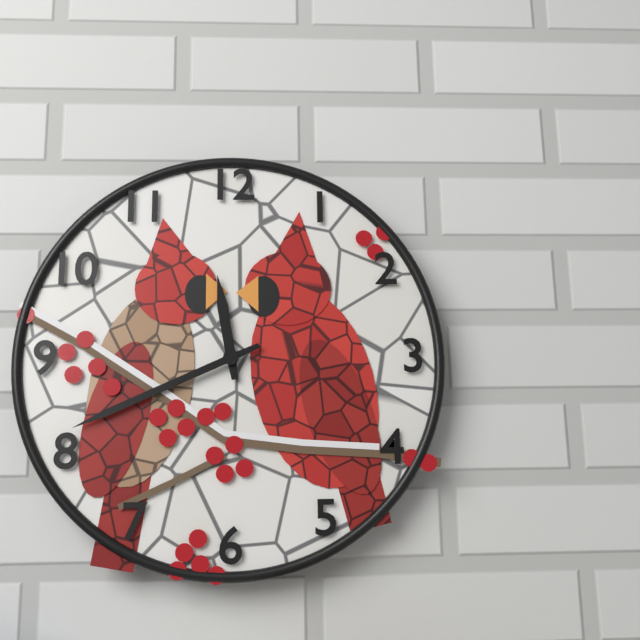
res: 11 h 41 min
